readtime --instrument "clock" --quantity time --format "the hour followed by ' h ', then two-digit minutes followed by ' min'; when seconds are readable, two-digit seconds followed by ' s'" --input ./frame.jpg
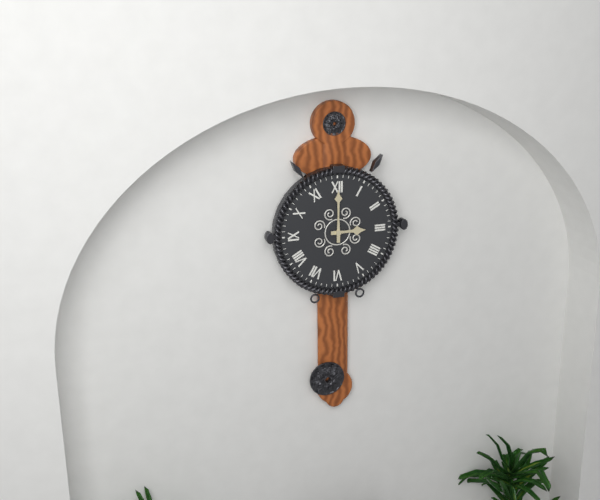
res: 3 h 00 min
